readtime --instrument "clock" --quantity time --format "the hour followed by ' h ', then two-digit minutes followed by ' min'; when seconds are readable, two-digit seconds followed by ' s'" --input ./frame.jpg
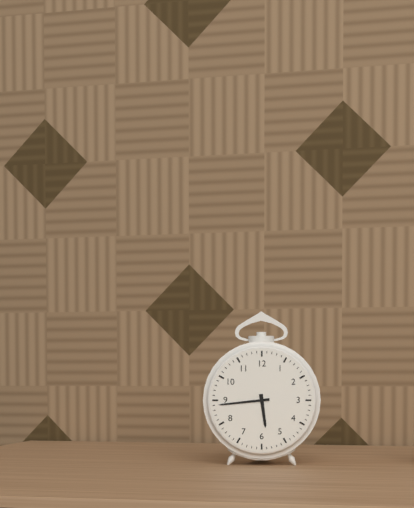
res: 5 h 44 min
